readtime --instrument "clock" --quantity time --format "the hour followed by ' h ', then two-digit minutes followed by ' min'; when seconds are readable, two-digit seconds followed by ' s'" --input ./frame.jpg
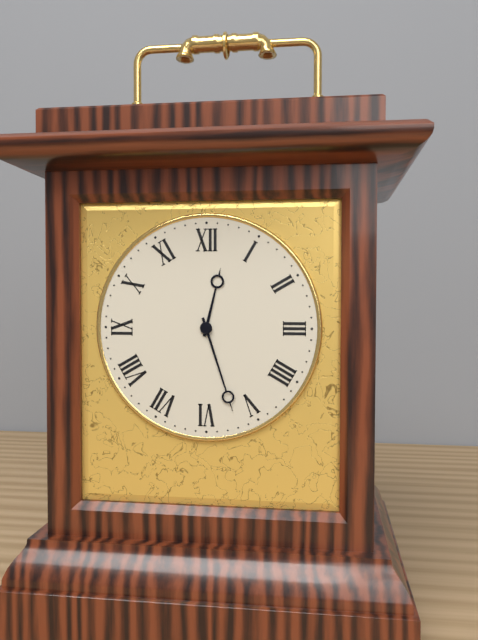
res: 12 h 27 min
